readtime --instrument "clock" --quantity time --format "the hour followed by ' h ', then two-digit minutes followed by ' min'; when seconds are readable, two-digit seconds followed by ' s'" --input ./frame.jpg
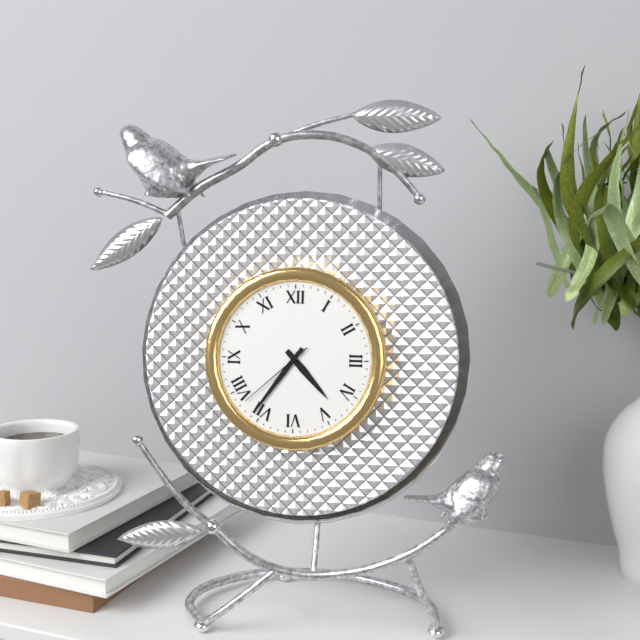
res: 4 h 36 min 38 s
